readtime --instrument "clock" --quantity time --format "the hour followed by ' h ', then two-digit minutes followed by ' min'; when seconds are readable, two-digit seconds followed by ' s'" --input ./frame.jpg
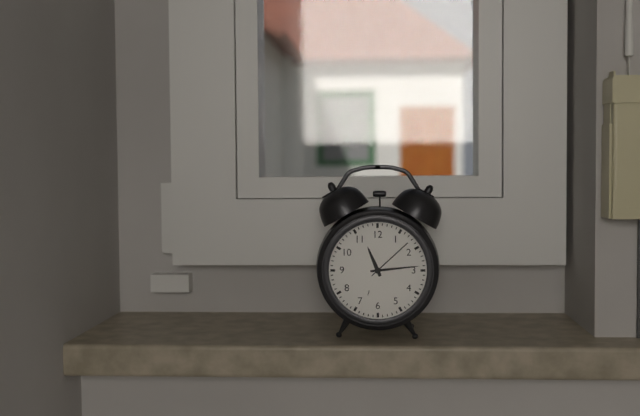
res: 11 h 14 min
